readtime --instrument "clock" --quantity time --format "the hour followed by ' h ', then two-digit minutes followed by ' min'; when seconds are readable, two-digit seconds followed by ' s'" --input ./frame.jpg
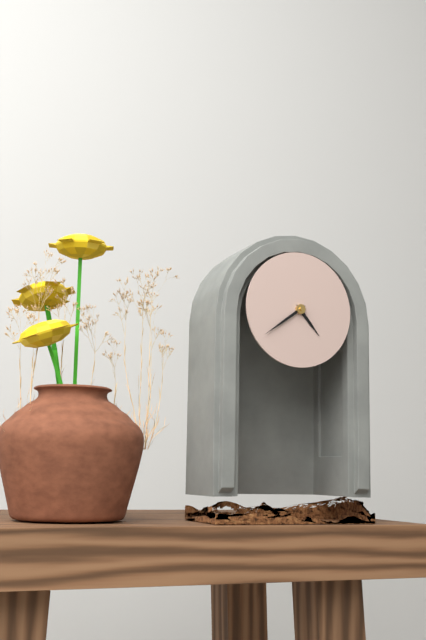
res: 4 h 39 min
